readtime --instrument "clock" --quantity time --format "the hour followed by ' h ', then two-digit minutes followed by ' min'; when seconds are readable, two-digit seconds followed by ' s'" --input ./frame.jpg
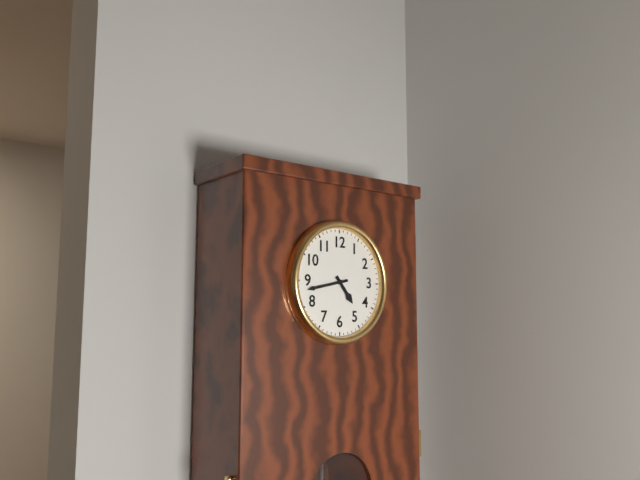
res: 4 h 43 min
